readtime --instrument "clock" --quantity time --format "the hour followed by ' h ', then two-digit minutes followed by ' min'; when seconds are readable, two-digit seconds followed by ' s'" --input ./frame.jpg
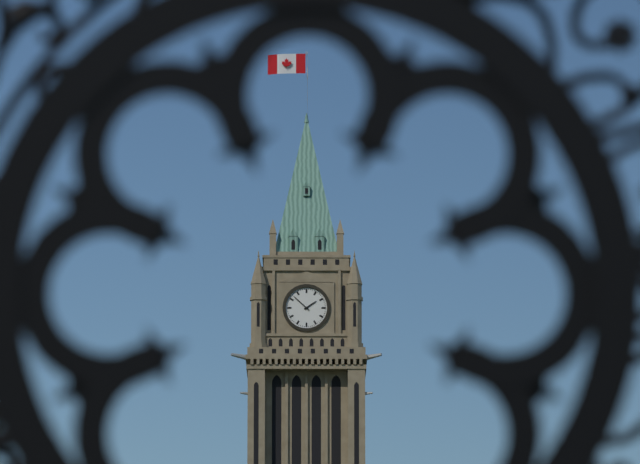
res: 1 h 52 min
